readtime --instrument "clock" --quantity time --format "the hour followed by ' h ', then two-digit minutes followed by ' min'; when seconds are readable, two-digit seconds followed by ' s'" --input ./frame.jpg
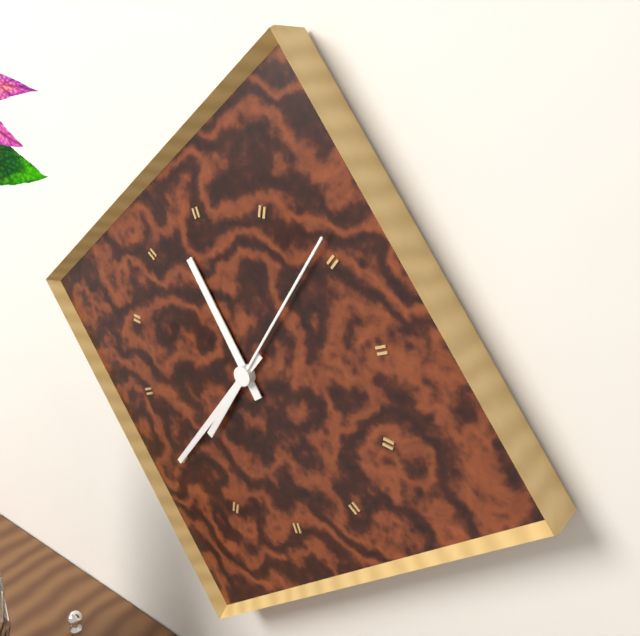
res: 10 h 35 min 04 s
